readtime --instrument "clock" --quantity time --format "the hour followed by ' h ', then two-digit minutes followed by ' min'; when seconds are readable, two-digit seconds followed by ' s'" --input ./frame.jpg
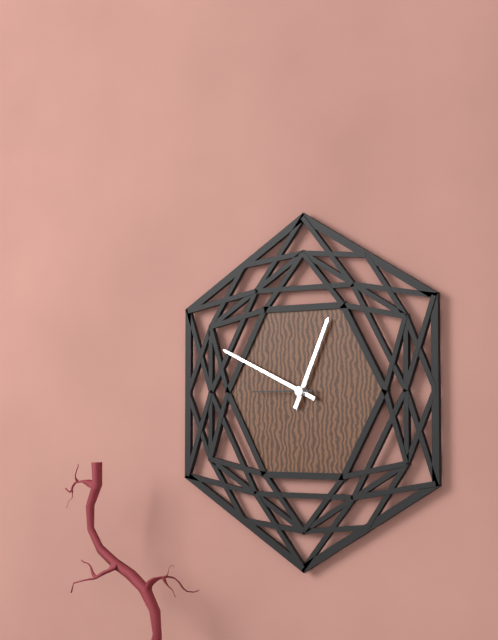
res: 12 h 49 min 45 s
